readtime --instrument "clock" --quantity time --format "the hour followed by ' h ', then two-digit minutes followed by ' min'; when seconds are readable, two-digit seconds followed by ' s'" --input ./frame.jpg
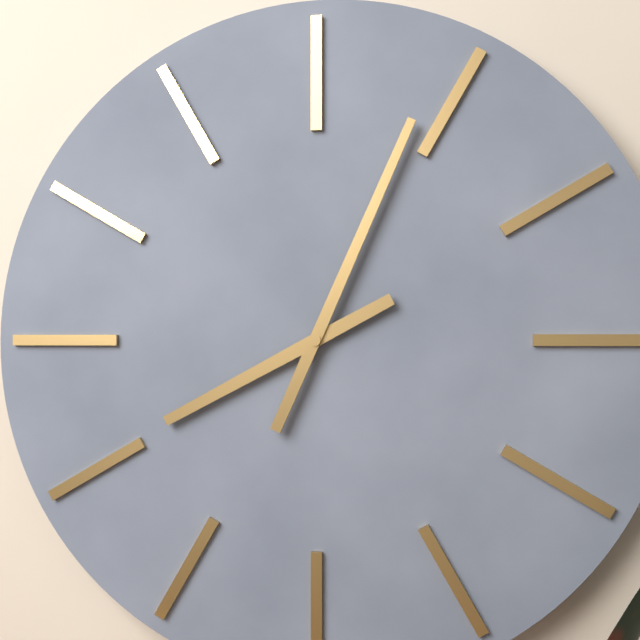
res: 8 h 04 min
